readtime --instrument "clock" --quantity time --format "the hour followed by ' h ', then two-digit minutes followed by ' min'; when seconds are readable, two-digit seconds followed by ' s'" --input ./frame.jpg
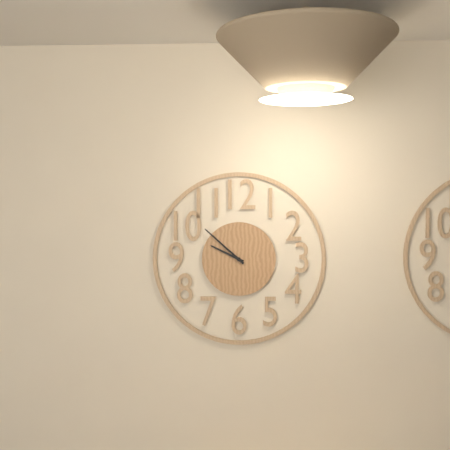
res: 9 h 52 min
